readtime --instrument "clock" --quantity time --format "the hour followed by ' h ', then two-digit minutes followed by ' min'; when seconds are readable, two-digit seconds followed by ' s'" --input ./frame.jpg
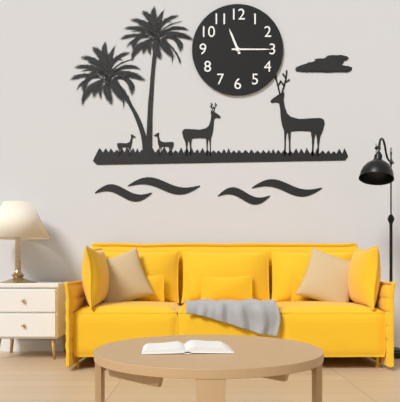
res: 11 h 15 min
